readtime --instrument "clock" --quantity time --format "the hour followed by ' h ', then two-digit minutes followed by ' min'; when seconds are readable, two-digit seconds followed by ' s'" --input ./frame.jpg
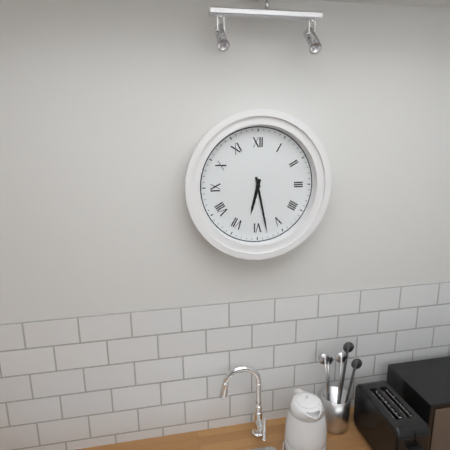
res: 6 h 28 min
